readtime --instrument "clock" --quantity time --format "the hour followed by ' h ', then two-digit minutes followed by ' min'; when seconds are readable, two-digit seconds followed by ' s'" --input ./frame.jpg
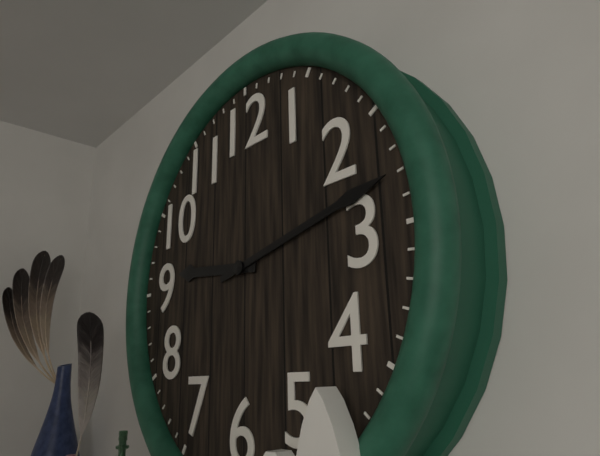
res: 9 h 13 min
